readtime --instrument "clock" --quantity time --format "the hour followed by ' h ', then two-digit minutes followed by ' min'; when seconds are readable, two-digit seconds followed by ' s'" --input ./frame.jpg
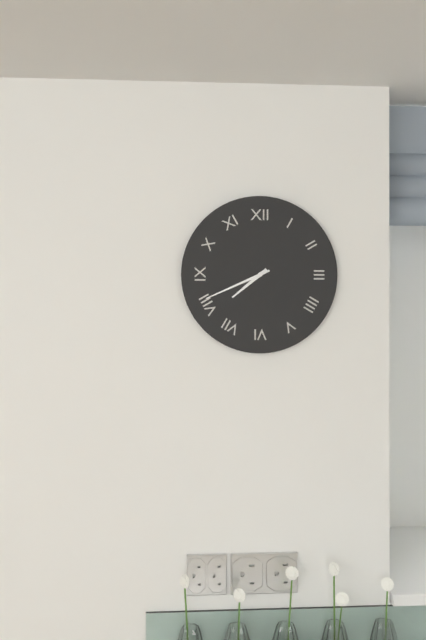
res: 7 h 41 min
